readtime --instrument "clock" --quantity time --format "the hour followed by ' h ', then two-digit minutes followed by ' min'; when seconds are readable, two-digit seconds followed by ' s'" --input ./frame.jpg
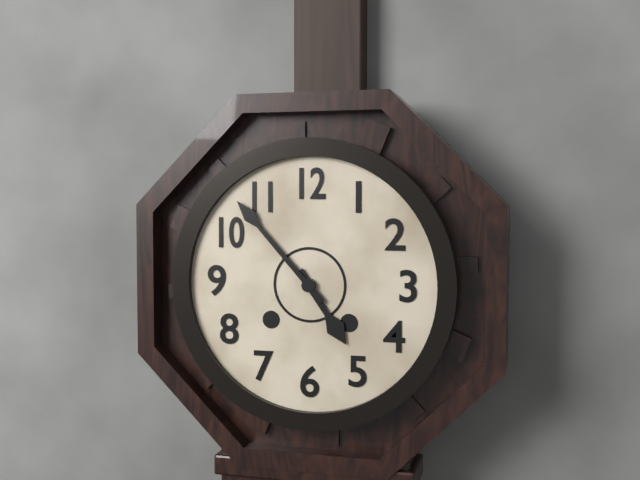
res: 4 h 53 min
